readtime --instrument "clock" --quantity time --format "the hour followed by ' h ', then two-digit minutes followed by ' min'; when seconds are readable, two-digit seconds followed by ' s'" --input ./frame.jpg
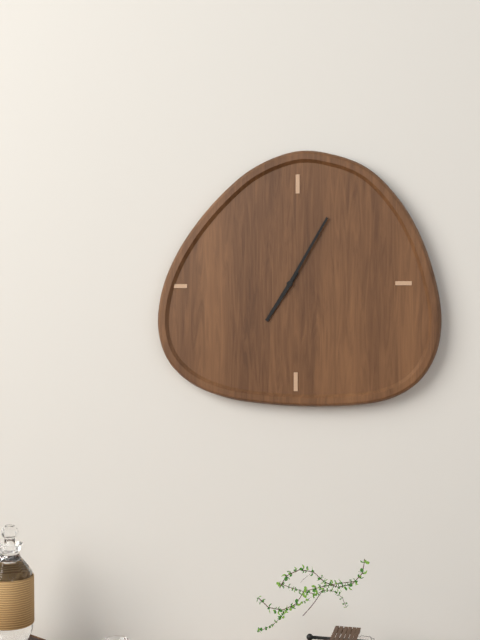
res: 7 h 05 min
